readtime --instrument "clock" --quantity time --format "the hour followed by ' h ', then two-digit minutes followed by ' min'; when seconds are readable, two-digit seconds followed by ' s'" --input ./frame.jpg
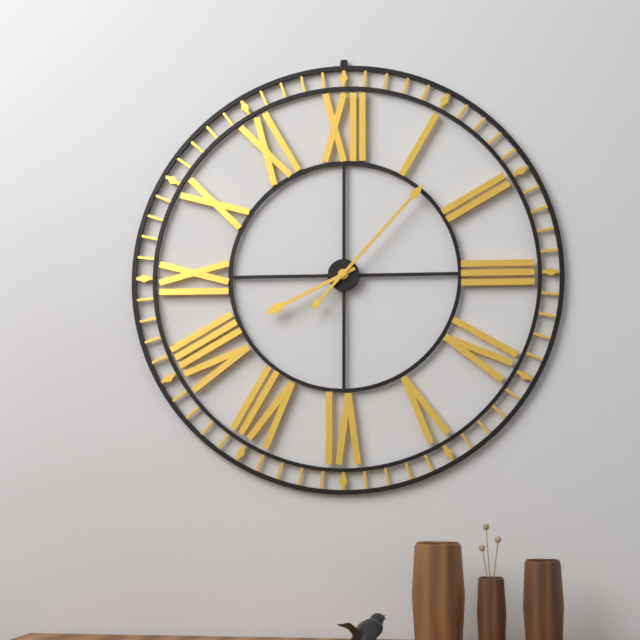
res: 8 h 07 min
